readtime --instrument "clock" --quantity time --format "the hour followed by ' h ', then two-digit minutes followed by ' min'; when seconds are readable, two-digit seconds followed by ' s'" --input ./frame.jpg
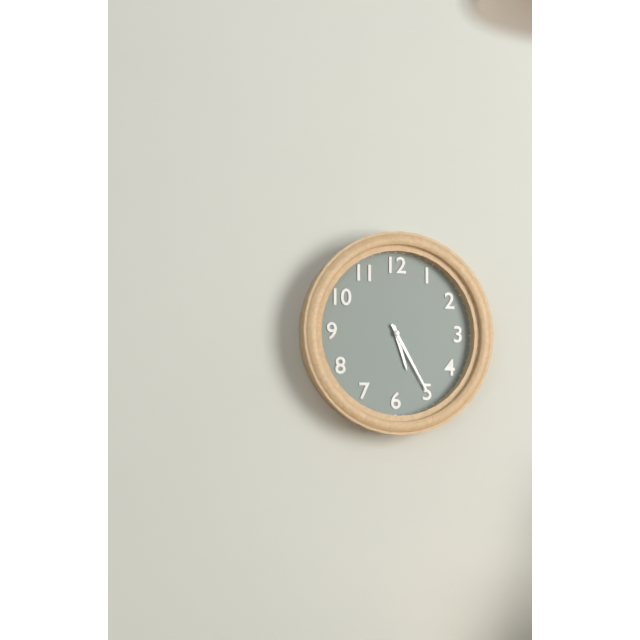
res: 5 h 25 min
